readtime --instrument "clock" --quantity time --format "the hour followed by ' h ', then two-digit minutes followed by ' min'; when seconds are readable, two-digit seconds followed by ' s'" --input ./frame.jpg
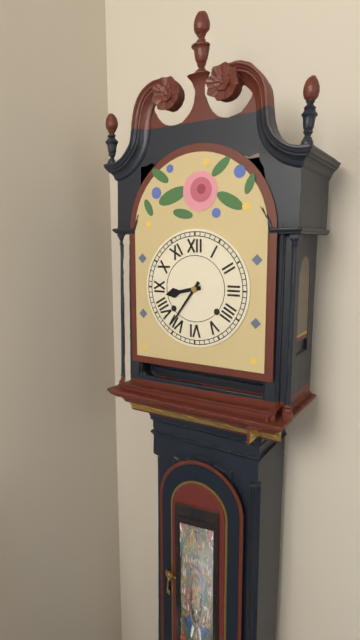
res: 8 h 36 min
